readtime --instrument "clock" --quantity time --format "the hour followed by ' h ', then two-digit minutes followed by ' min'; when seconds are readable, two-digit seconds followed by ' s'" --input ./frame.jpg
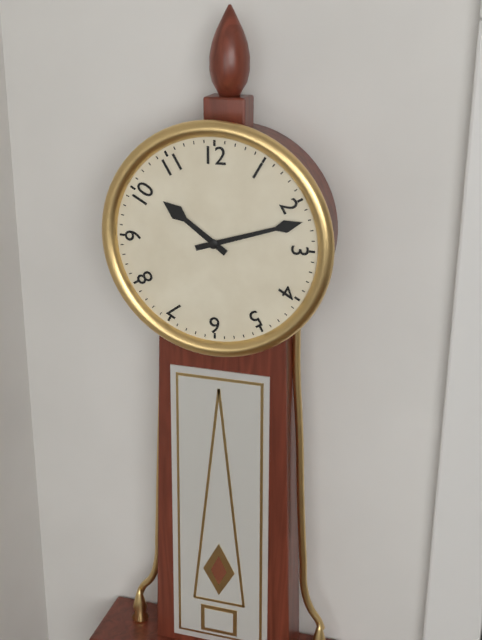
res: 10 h 12 min
